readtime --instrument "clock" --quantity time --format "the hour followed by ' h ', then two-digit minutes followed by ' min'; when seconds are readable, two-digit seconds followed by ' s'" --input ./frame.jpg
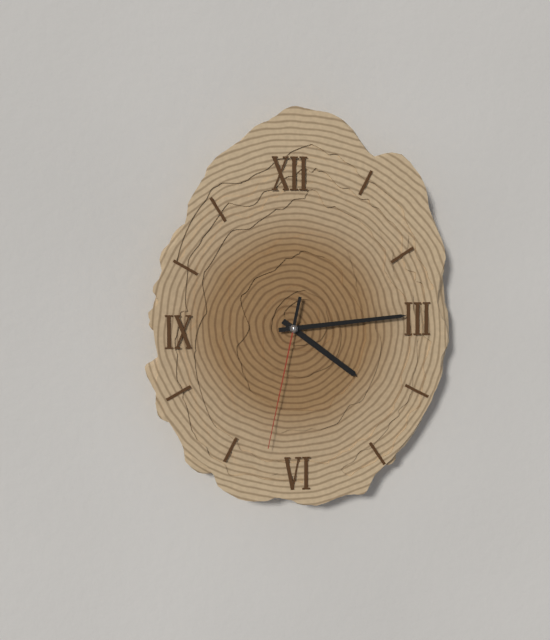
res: 4 h 14 min 32 s
